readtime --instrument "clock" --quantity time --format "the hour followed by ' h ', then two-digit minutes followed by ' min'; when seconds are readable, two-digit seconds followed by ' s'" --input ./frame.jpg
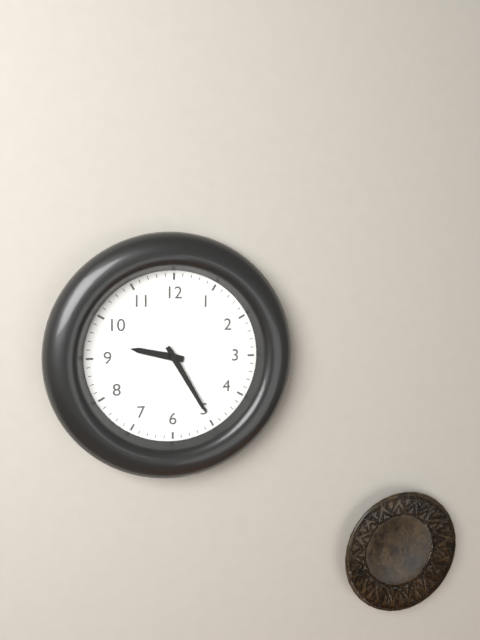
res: 9 h 25 min
